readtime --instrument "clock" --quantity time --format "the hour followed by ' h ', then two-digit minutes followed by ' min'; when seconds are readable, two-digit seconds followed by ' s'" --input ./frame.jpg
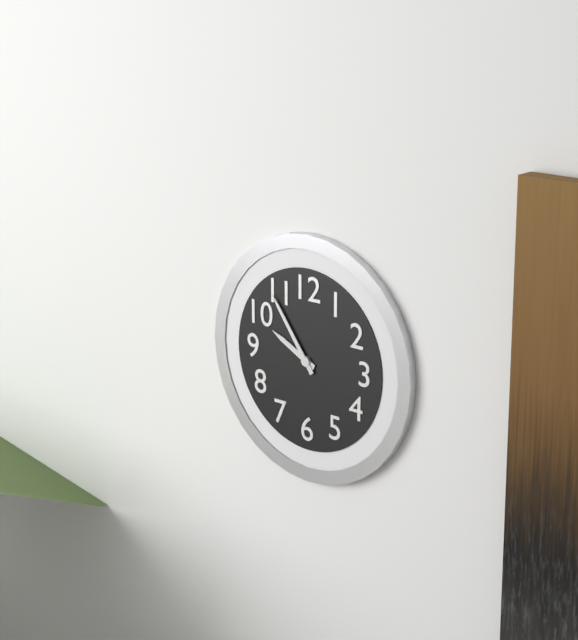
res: 9 h 54 min
